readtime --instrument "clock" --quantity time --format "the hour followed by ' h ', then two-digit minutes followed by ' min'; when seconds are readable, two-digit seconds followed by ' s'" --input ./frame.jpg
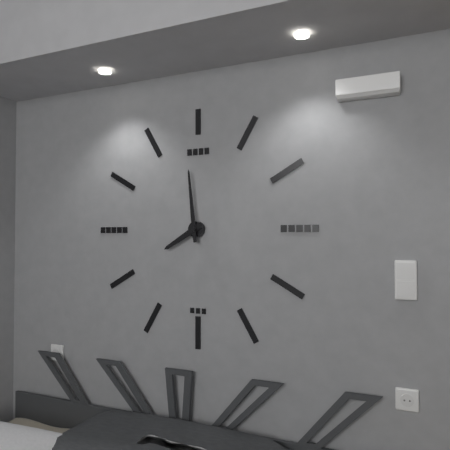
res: 7 h 59 min
